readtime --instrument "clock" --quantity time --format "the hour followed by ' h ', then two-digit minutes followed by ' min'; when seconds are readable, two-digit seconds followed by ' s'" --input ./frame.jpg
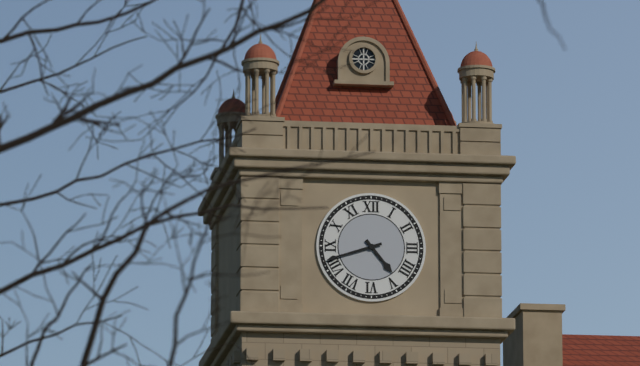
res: 4 h 42 min
